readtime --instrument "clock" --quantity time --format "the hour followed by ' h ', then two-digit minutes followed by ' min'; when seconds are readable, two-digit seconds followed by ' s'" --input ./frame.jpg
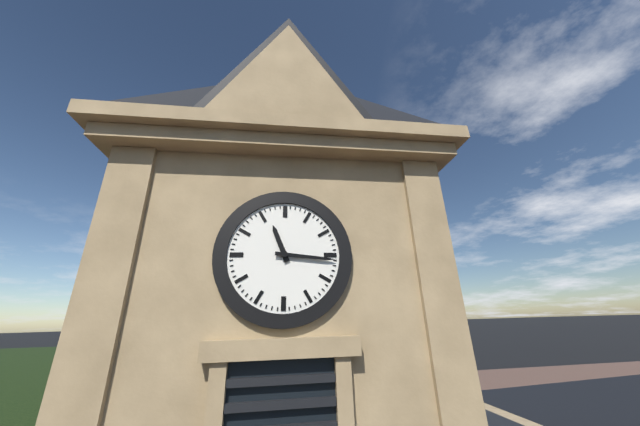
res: 11 h 16 min
